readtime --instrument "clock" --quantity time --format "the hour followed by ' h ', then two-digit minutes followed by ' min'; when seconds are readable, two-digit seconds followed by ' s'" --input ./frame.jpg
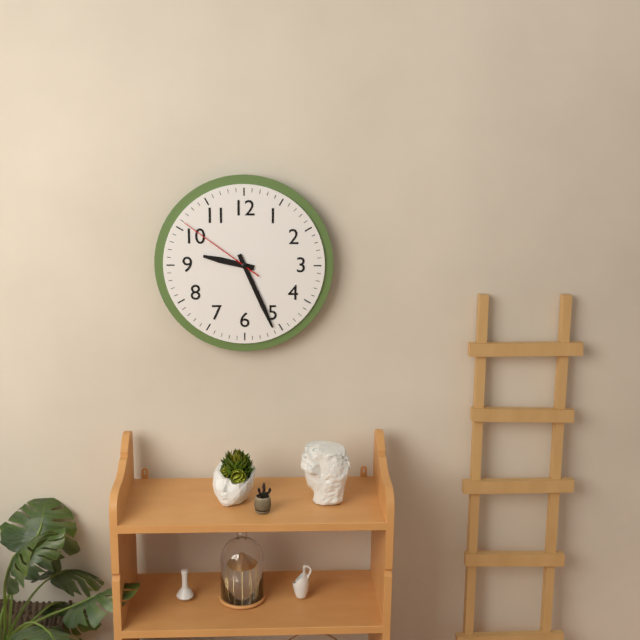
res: 9 h 26 min 51 s
